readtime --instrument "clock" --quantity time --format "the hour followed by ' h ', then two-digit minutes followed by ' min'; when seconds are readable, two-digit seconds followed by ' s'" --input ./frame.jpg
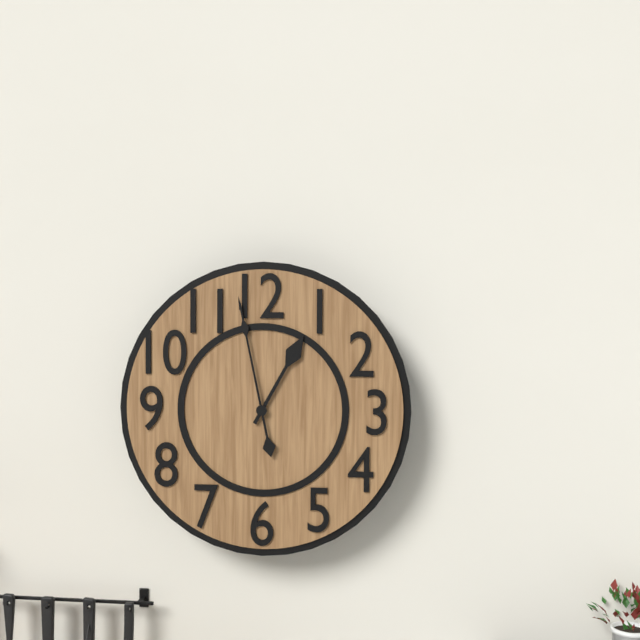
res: 12 h 58 min
